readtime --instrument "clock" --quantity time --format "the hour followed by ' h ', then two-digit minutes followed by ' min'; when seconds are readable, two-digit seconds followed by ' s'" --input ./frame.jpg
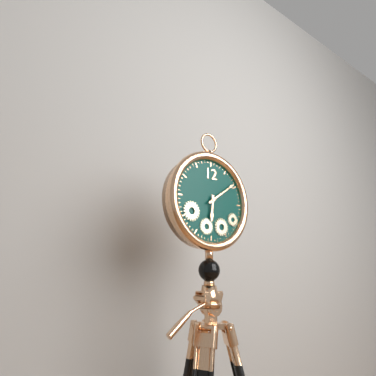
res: 6 h 09 min
